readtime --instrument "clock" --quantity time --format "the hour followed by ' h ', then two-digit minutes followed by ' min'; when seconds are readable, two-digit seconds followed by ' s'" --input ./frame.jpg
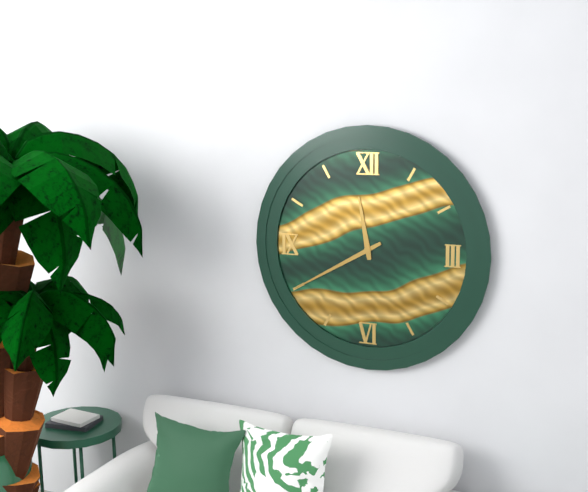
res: 11 h 40 min
